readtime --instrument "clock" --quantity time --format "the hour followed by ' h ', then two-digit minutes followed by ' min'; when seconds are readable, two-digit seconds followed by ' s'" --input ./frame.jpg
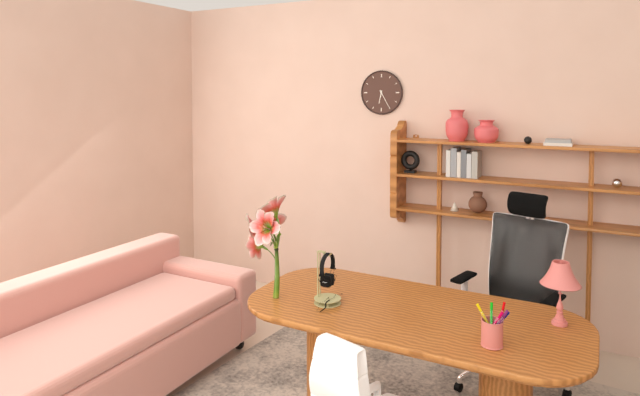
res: 6 h 25 min
